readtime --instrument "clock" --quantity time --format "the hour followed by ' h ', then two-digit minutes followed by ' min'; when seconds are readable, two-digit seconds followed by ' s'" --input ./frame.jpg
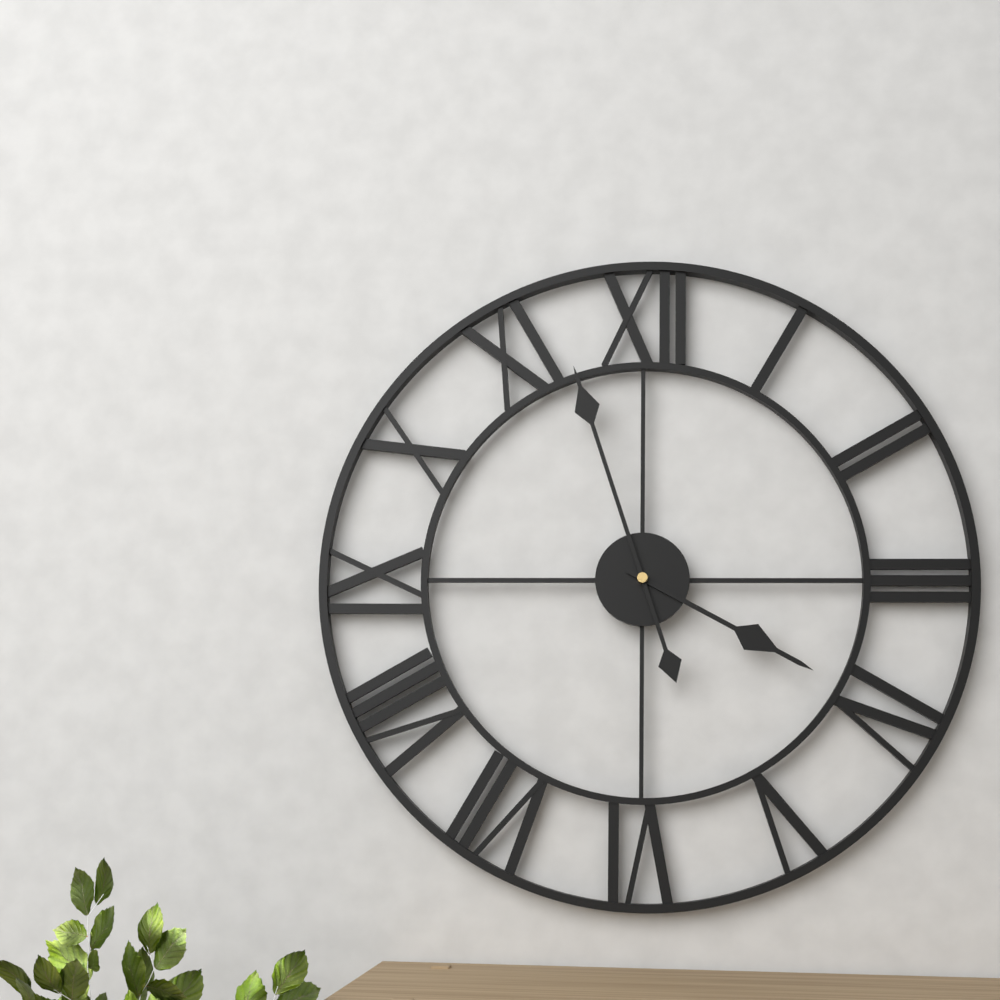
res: 3 h 57 min
